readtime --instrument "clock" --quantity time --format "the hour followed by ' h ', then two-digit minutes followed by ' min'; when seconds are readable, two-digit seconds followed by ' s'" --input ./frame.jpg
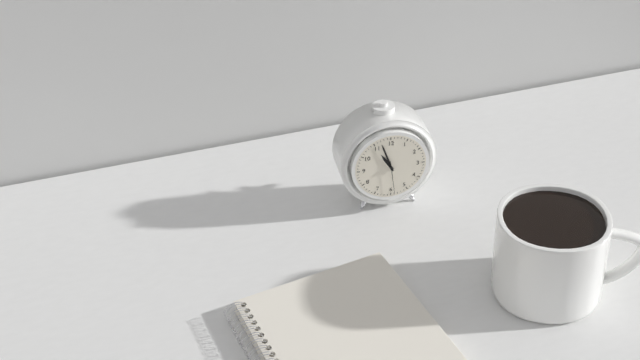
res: 10 h 57 min
